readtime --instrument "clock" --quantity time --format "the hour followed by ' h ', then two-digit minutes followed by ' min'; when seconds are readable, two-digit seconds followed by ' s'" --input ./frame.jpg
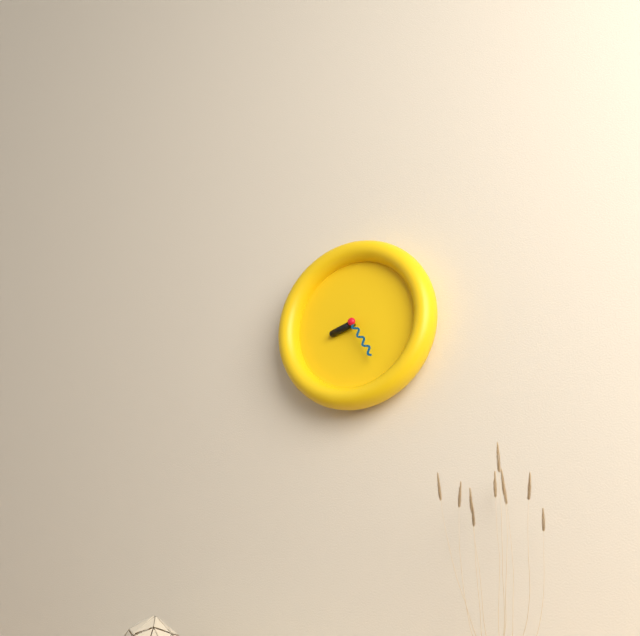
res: 8 h 25 min
